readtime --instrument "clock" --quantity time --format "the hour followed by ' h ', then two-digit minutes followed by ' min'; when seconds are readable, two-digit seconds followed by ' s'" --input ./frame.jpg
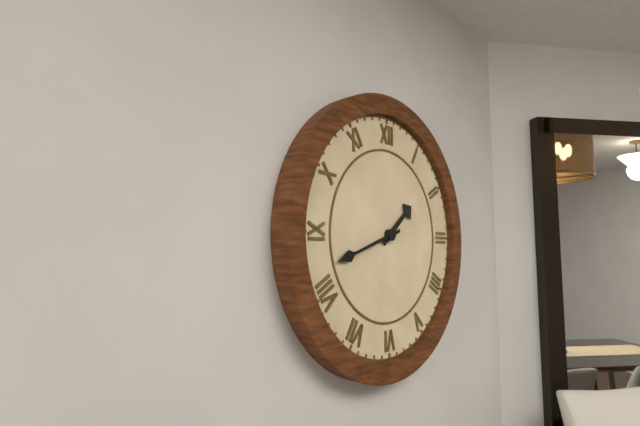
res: 1 h 42 min
